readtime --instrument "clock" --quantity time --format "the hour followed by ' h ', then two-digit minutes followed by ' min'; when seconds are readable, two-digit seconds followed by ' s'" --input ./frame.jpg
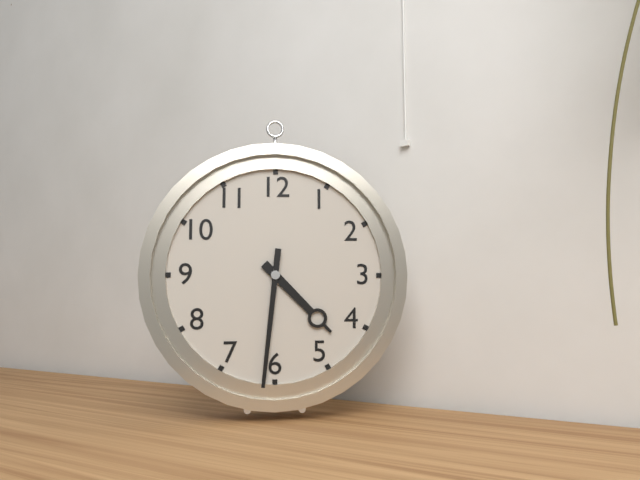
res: 4 h 31 min
